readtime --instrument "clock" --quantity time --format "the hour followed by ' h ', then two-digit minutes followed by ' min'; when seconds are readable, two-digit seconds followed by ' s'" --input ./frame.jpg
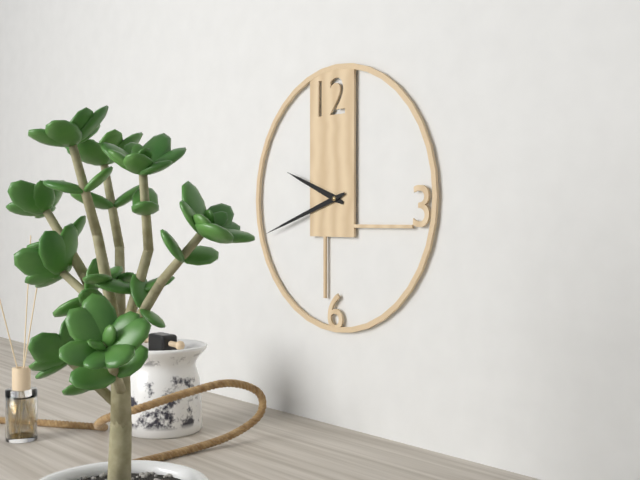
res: 9 h 42 min
